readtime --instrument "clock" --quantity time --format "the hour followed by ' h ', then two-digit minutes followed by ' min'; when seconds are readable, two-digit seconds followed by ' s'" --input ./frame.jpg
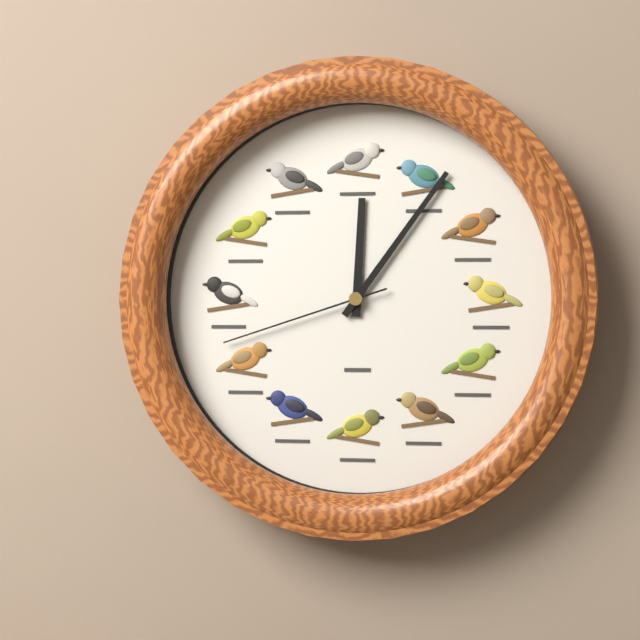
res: 12 h 06 min 42 s
